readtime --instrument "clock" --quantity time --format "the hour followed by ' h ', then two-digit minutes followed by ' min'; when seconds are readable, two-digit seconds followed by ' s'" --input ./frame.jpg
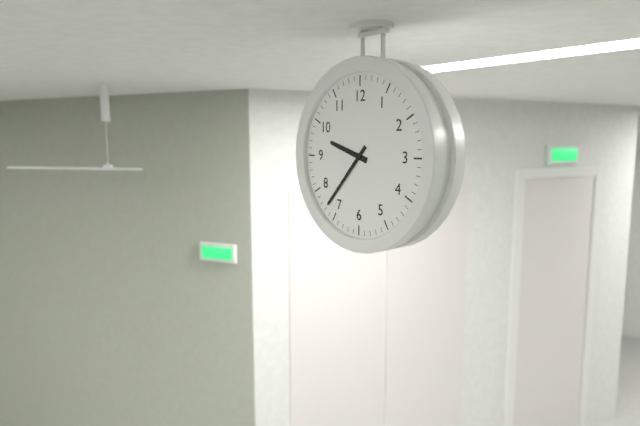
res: 9 h 37 min
